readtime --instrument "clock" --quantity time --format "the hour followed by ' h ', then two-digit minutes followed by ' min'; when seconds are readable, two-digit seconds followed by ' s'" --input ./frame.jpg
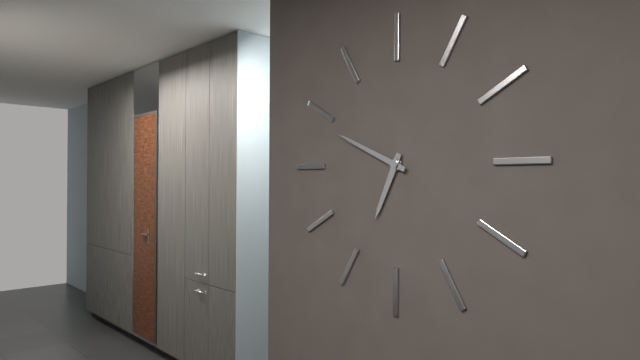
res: 6 h 49 min
